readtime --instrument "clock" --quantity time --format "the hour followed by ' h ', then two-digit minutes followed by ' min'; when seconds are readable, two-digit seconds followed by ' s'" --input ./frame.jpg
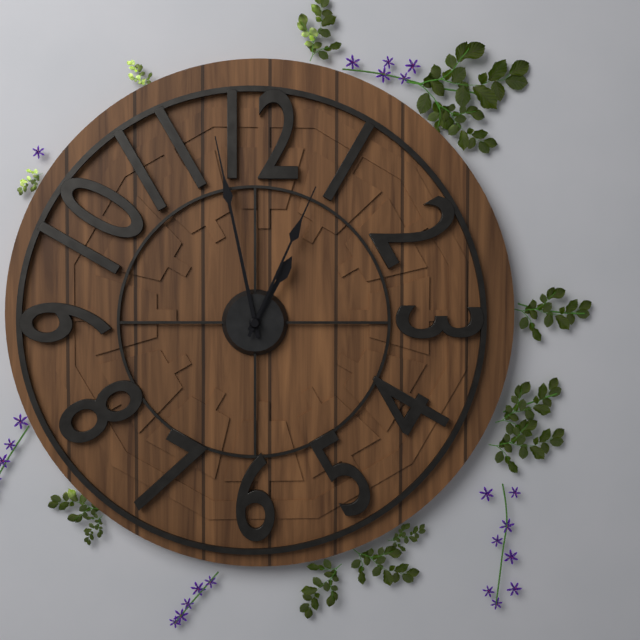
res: 12 h 58 min 04 s
